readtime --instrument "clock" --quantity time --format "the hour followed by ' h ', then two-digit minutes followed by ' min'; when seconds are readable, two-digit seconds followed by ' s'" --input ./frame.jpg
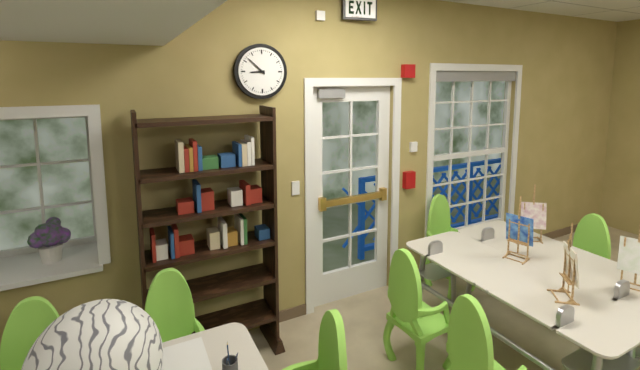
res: 8 h 52 min
